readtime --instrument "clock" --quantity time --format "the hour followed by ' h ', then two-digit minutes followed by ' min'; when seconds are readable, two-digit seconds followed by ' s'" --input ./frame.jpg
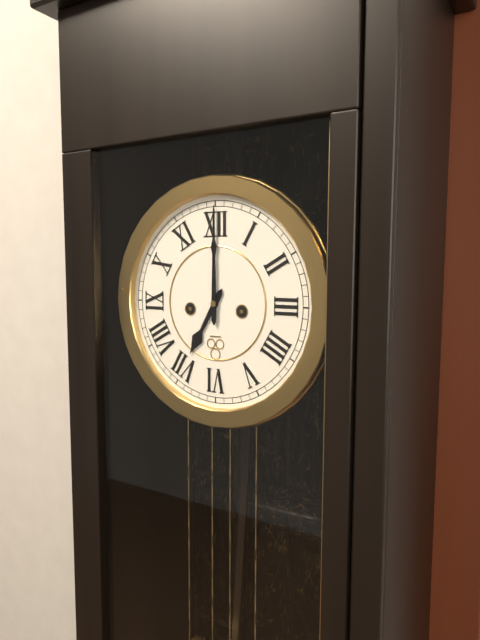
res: 7 h 00 min
